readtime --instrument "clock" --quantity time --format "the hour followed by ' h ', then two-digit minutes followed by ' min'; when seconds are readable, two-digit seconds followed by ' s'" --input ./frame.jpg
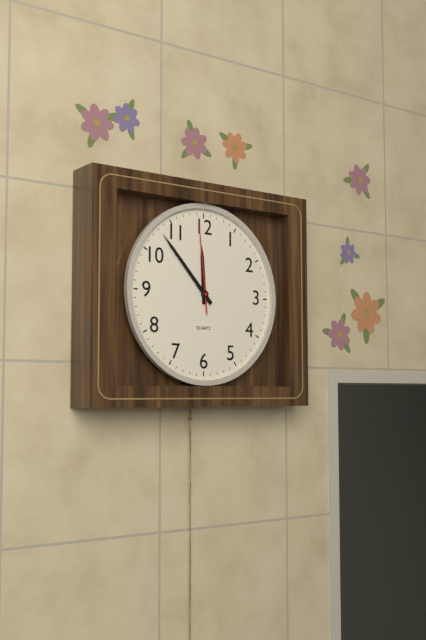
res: 11 h 53 min 59 s
